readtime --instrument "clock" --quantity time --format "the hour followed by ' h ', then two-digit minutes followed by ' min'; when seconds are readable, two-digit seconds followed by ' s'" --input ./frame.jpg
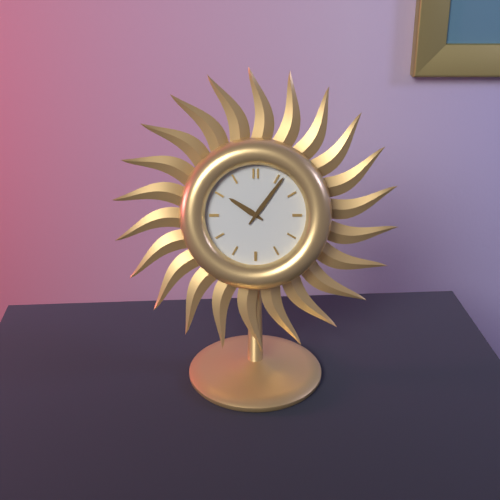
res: 10 h 06 min
